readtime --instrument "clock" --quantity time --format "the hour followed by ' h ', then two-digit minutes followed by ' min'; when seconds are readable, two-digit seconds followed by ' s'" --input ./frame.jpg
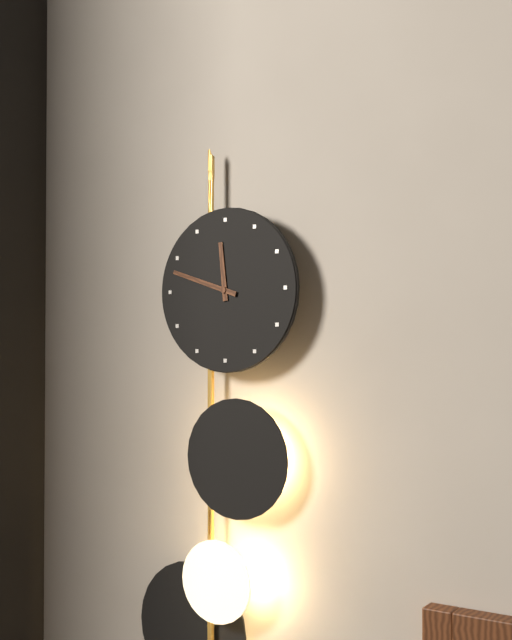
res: 11 h 48 min
